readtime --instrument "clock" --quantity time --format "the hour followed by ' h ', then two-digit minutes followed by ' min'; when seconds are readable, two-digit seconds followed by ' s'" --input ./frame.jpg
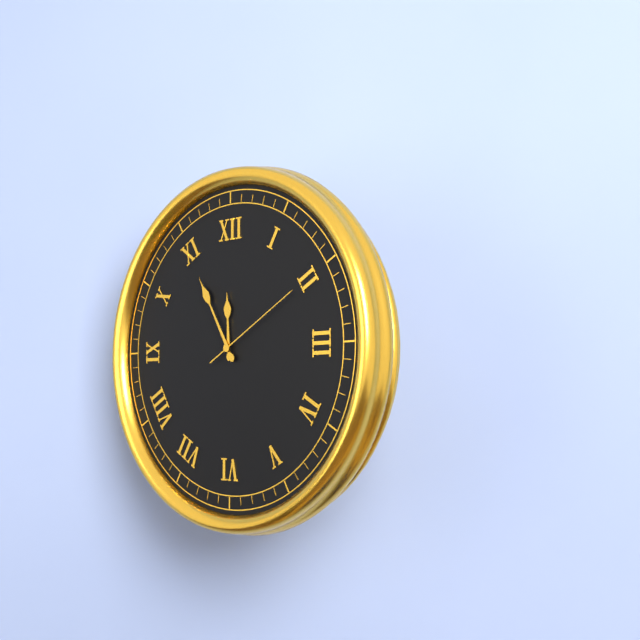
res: 11 h 55 min 10 s
